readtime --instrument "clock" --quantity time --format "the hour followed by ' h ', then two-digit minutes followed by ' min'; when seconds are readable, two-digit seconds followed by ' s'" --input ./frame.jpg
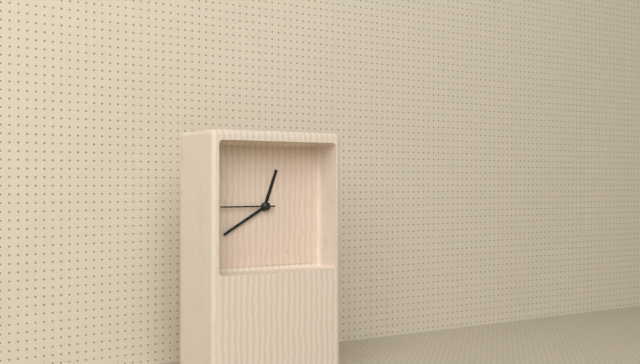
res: 12 h 40 min 45 s
